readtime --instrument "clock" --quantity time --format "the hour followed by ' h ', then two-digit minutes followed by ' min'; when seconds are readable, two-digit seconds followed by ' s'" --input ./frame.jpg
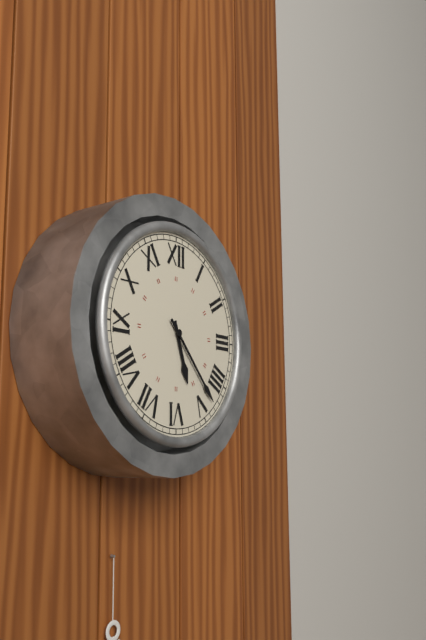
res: 5 h 23 min
